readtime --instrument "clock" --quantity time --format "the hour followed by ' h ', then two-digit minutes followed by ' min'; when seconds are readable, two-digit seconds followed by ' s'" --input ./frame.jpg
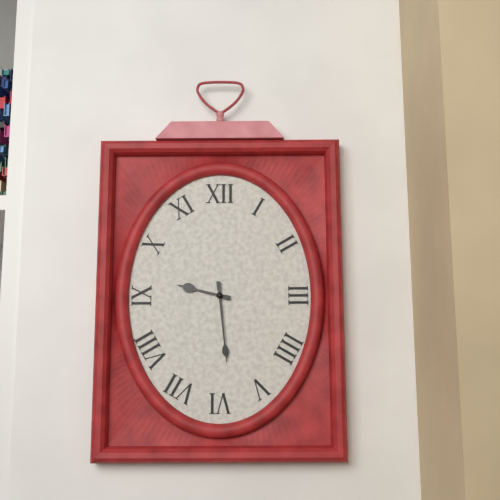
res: 9 h 29 min
